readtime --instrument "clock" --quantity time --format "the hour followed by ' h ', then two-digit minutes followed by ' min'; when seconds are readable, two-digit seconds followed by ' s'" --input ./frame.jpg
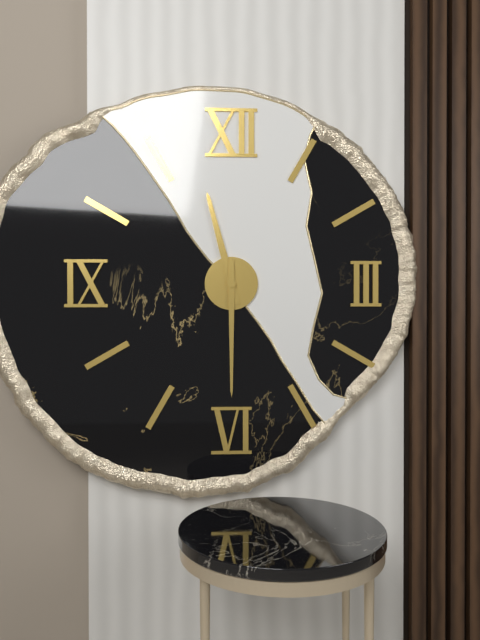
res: 11 h 30 min
